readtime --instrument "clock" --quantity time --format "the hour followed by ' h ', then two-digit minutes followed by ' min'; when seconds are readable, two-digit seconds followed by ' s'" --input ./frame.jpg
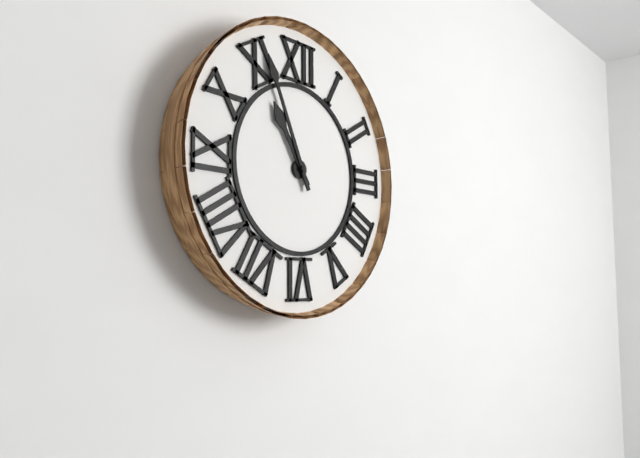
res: 10 h 56 min
